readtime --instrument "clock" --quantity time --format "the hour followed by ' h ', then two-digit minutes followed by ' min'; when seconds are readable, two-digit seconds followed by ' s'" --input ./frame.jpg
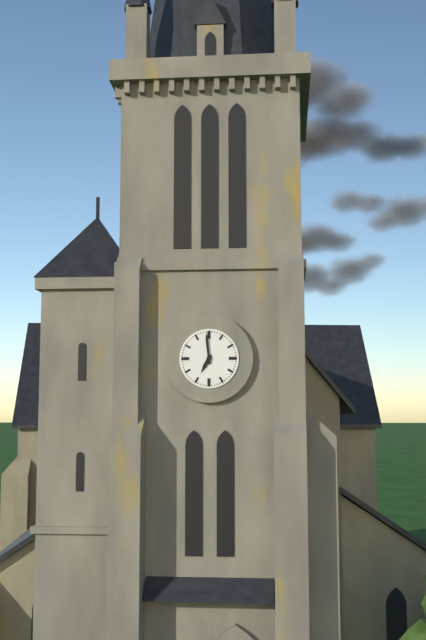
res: 6 h 59 min
